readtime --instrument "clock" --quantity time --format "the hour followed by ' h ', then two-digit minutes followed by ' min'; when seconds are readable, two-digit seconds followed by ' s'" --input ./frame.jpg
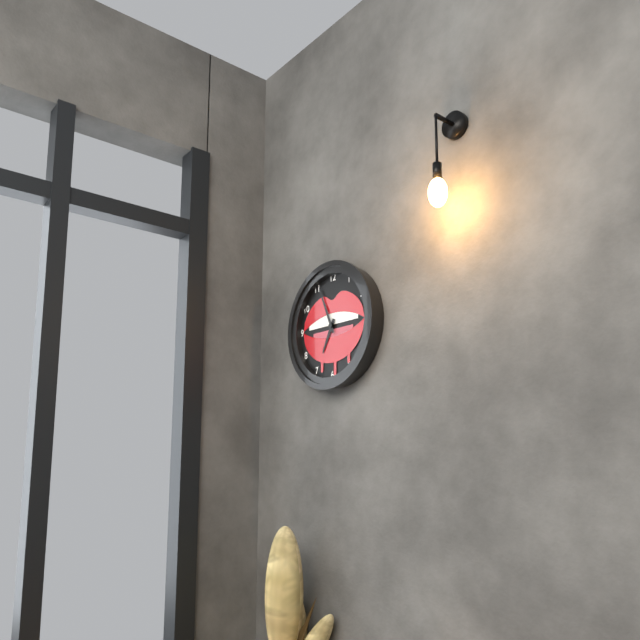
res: 6 h 56 min
